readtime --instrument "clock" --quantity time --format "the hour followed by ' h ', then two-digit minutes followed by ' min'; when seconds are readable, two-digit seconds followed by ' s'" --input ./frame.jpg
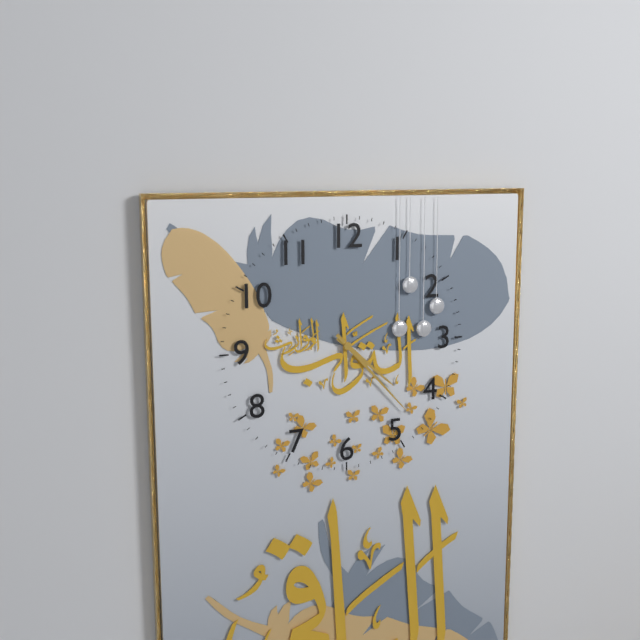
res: 4 h 23 min
